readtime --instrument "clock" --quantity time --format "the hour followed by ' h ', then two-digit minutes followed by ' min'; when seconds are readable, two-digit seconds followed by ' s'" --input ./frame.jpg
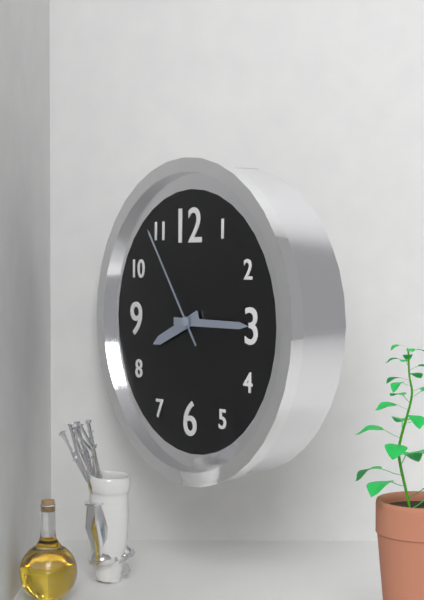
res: 8 h 15 min 54 s
